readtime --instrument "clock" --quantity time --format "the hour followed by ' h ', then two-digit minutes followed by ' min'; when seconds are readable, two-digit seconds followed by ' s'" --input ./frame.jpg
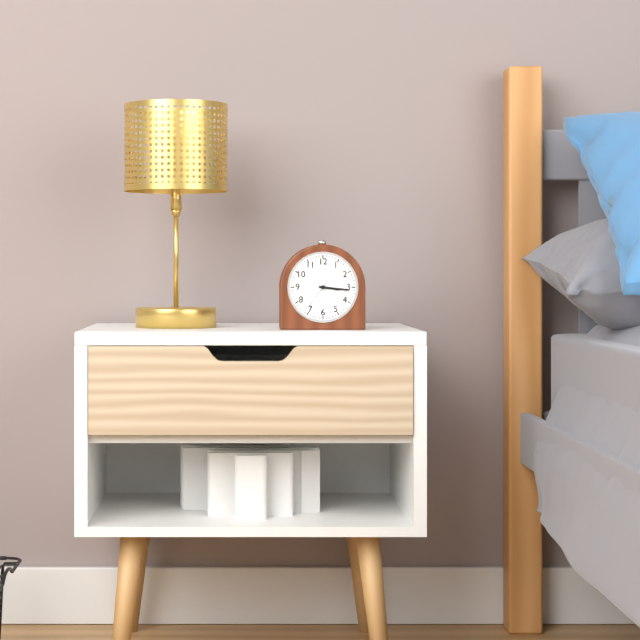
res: 3 h 16 min
